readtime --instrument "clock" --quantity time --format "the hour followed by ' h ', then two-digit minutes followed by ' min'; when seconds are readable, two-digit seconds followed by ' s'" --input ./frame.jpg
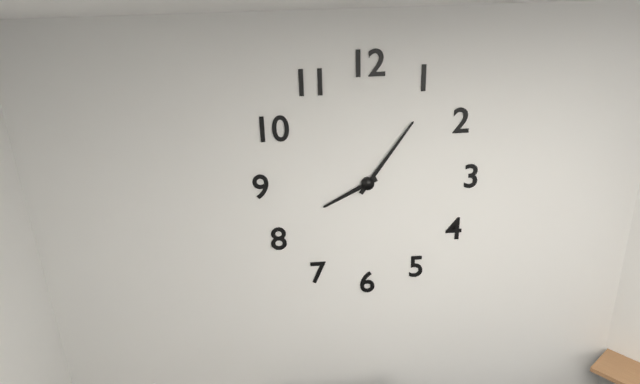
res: 8 h 06 min
